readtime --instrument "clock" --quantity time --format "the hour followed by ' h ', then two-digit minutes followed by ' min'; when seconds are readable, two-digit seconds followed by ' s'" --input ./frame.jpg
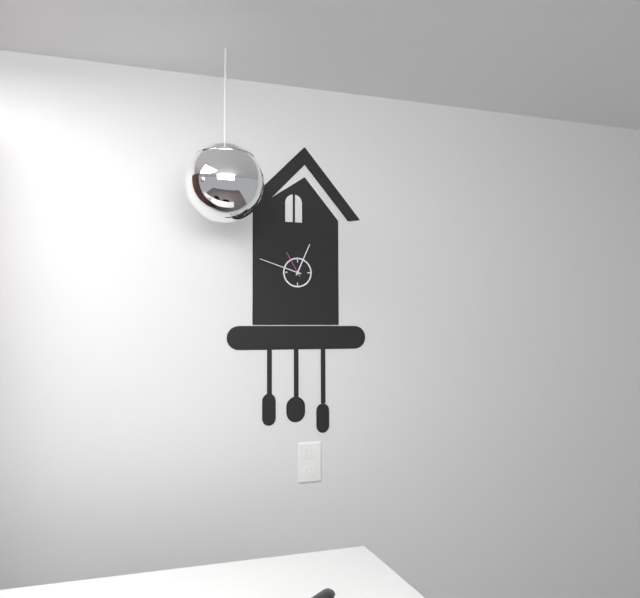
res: 12 h 48 min
